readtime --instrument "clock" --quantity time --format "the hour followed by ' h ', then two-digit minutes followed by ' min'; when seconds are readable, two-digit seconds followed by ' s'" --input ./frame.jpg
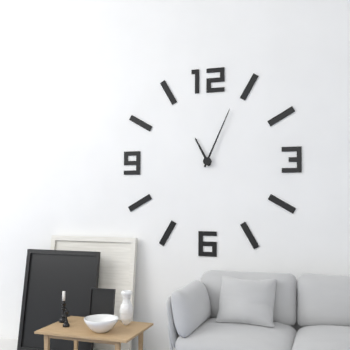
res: 11 h 04 min
